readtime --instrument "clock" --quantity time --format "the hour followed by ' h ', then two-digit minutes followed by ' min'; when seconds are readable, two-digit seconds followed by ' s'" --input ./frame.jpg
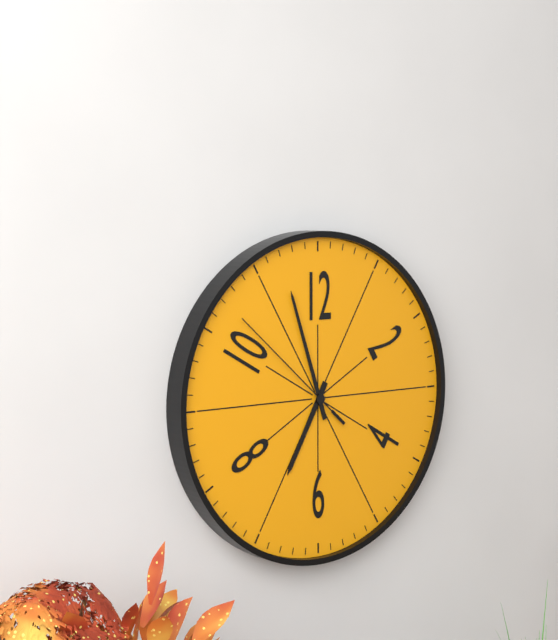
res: 6 h 57 min 52 s
